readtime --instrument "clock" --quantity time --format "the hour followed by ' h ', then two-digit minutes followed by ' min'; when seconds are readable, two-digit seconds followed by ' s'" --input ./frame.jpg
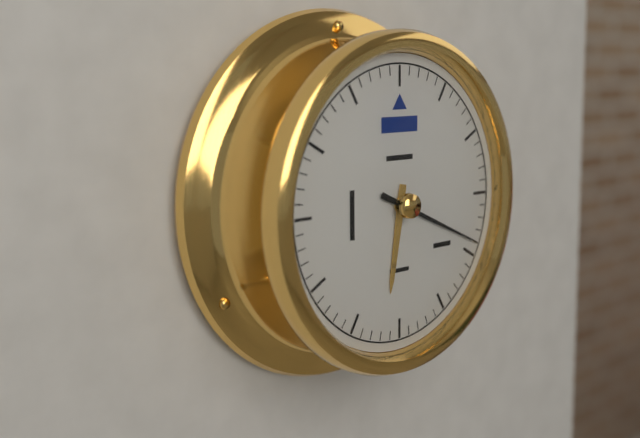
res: 6 h 19 min
